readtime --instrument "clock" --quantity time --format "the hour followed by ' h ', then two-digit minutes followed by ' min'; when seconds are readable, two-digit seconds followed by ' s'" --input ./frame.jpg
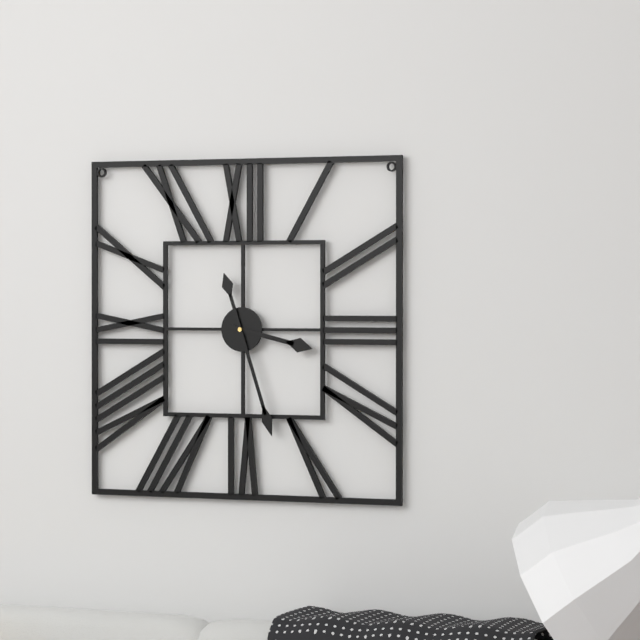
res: 3 h 27 min
